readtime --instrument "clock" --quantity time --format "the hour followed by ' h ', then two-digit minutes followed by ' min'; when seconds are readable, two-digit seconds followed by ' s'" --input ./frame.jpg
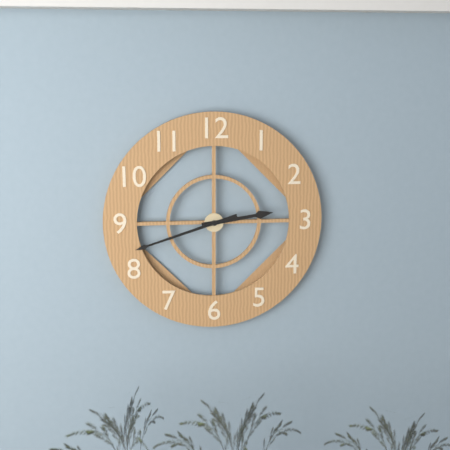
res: 2 h 42 min
